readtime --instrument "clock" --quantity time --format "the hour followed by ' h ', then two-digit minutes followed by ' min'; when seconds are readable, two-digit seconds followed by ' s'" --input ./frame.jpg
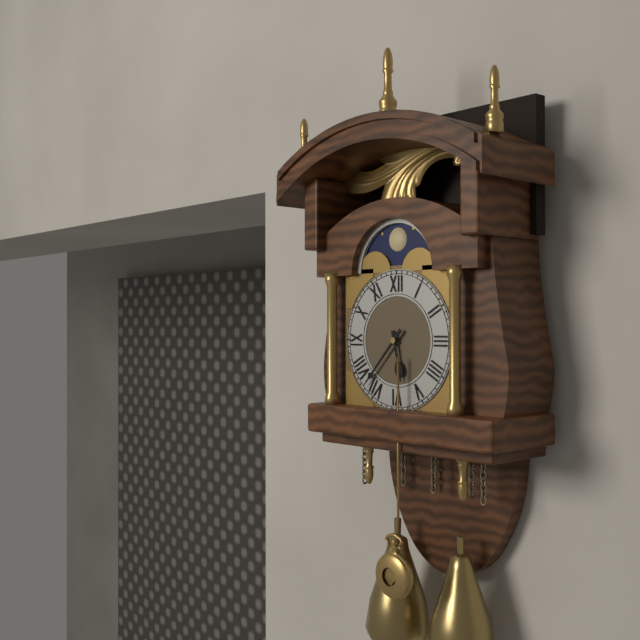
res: 5 h 37 min
